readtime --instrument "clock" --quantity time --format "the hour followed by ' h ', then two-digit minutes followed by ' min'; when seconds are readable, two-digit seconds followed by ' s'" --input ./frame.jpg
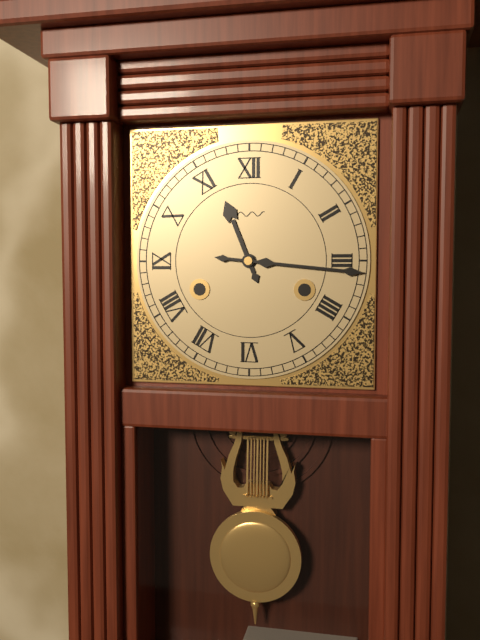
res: 11 h 16 min
